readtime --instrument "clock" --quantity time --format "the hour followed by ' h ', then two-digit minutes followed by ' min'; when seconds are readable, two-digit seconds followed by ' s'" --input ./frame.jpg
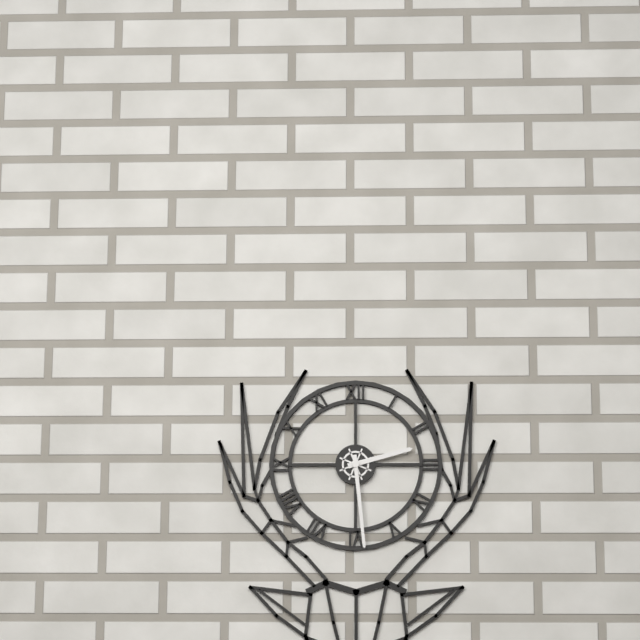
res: 2 h 29 min
